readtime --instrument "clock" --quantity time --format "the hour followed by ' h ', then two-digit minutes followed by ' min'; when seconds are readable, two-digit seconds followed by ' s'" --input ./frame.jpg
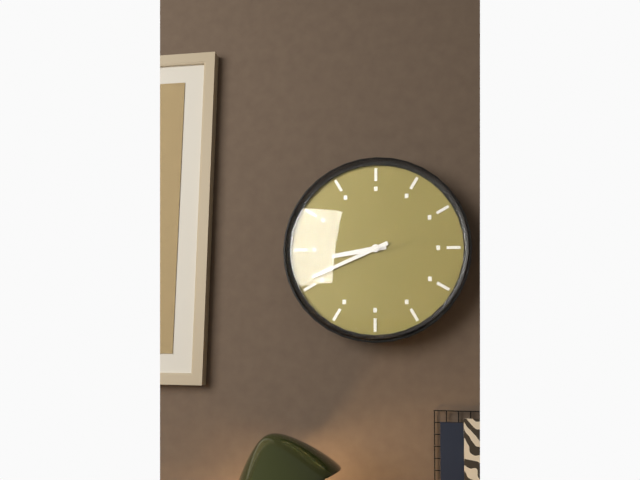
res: 8 h 41 min
